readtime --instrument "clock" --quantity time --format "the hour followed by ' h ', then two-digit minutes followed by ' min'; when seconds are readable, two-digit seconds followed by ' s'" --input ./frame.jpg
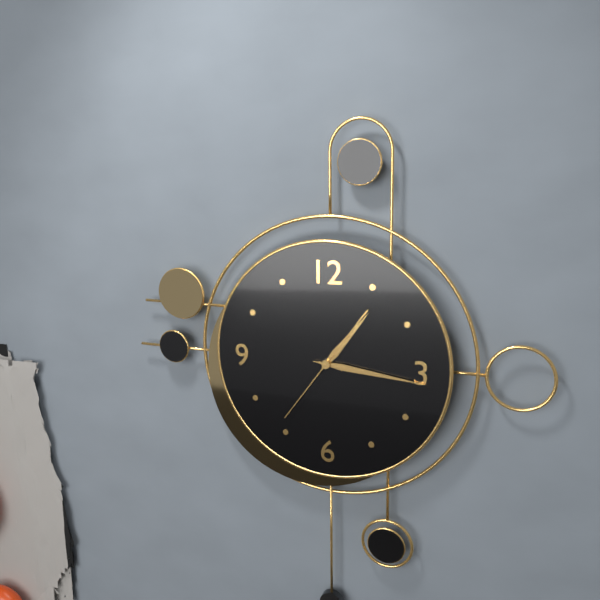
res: 1 h 16 min 36 s
